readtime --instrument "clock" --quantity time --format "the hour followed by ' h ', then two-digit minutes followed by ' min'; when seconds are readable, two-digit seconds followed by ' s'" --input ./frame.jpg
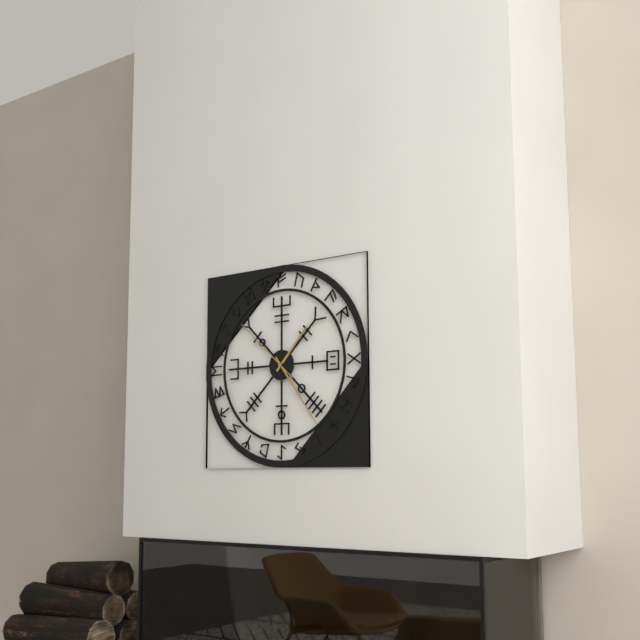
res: 1 h 24 min 52 s
